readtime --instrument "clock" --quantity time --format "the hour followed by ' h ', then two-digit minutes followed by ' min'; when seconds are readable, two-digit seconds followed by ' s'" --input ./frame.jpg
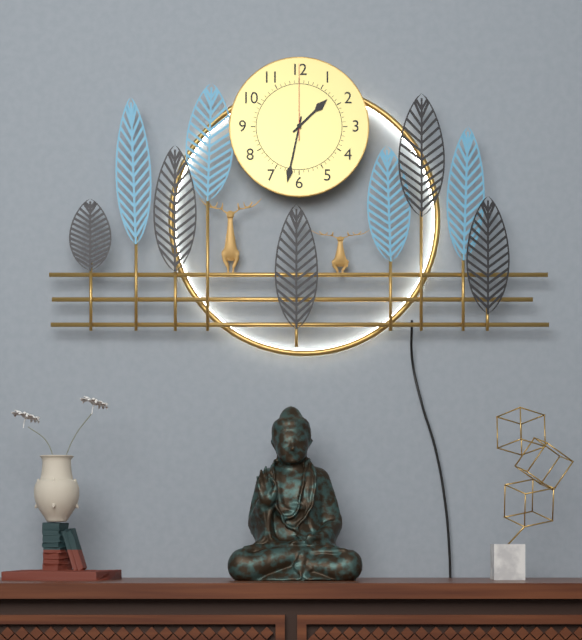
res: 1 h 32 min 00 s
